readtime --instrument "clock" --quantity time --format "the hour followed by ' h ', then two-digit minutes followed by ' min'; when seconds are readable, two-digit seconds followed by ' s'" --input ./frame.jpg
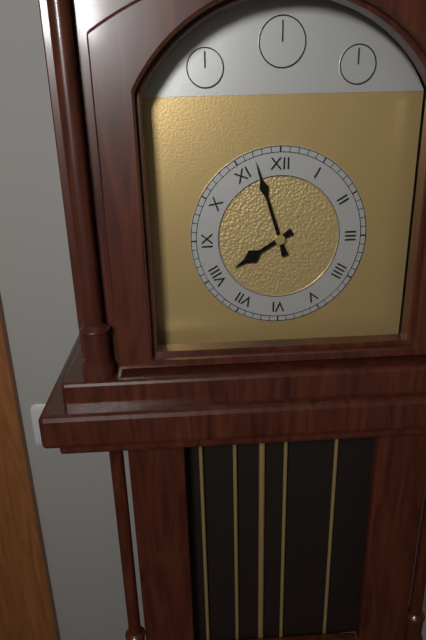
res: 7 h 57 min
